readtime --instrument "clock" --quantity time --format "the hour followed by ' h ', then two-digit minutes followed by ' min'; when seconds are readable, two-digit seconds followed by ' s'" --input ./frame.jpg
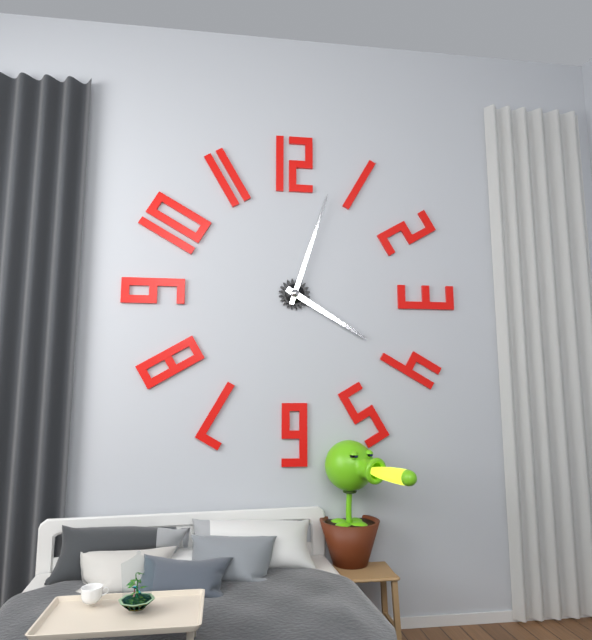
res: 4 h 03 min
